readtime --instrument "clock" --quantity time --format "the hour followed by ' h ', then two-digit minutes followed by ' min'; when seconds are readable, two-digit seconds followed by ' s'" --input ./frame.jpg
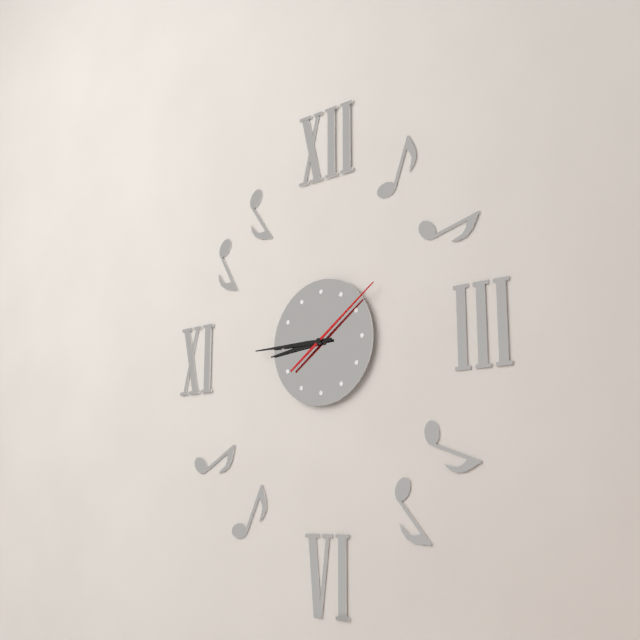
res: 8 h 45 min 09 s
